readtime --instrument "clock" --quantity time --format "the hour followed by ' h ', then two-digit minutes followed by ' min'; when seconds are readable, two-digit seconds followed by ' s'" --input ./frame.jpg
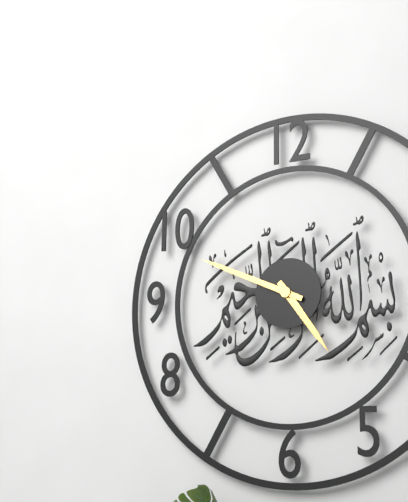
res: 4 h 49 min
